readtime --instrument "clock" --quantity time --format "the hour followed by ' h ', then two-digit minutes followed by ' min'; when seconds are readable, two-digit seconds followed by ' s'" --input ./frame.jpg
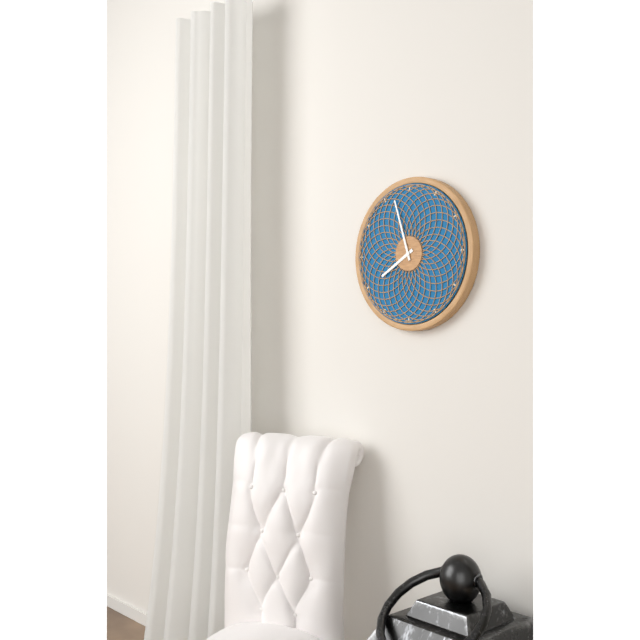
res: 7 h 57 min
